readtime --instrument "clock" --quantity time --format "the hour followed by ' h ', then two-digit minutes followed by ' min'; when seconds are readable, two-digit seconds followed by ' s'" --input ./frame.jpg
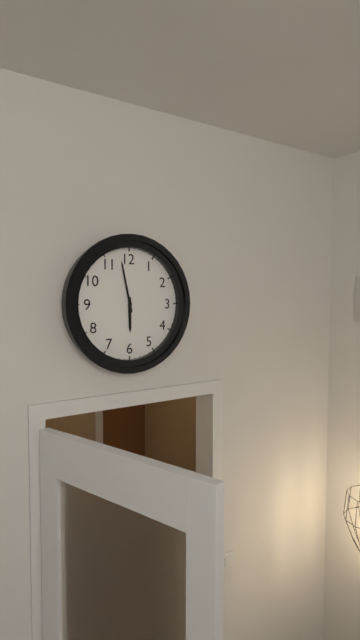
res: 5 h 58 min
